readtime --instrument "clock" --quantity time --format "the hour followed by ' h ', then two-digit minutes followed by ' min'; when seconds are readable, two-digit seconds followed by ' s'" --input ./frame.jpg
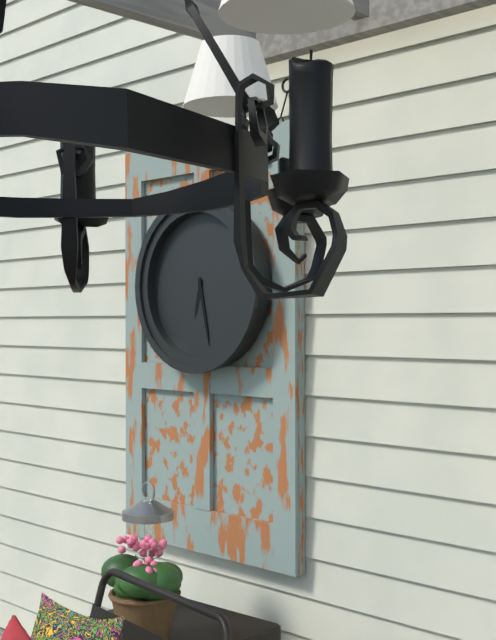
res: 6 h 28 min
